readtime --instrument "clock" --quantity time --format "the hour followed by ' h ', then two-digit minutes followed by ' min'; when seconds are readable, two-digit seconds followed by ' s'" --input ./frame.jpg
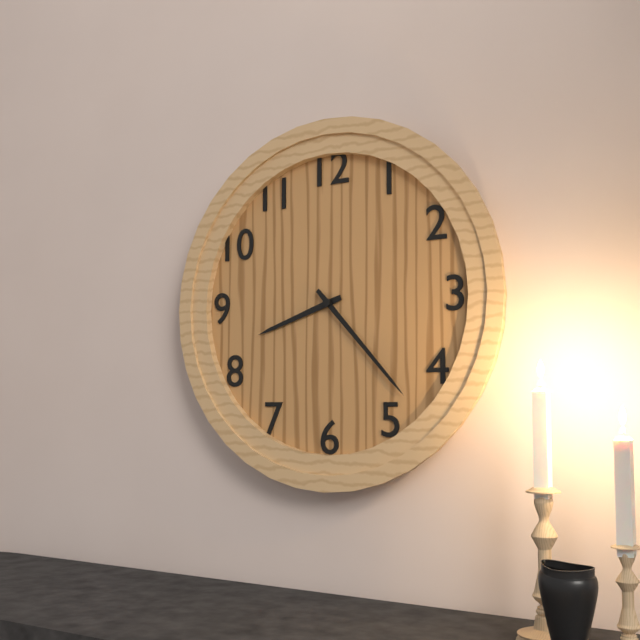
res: 8 h 23 min
